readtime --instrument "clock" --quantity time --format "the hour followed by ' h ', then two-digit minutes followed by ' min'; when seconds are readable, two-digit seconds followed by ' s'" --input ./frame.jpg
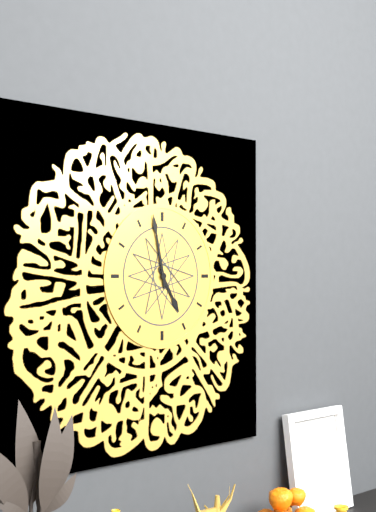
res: 4 h 58 min
